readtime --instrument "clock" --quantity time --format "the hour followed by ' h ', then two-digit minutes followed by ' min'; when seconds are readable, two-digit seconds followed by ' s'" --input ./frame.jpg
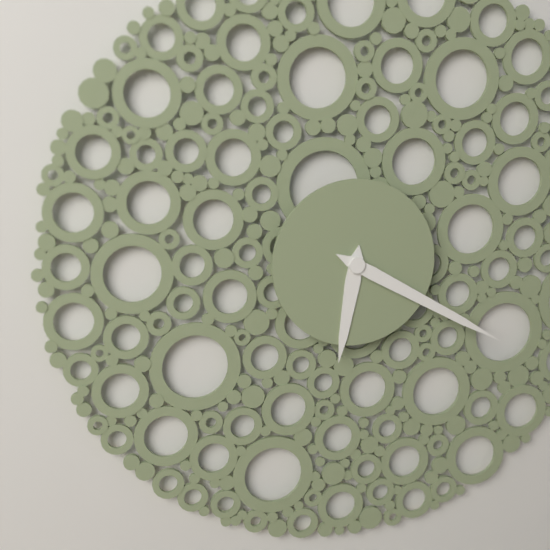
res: 6 h 20 min
